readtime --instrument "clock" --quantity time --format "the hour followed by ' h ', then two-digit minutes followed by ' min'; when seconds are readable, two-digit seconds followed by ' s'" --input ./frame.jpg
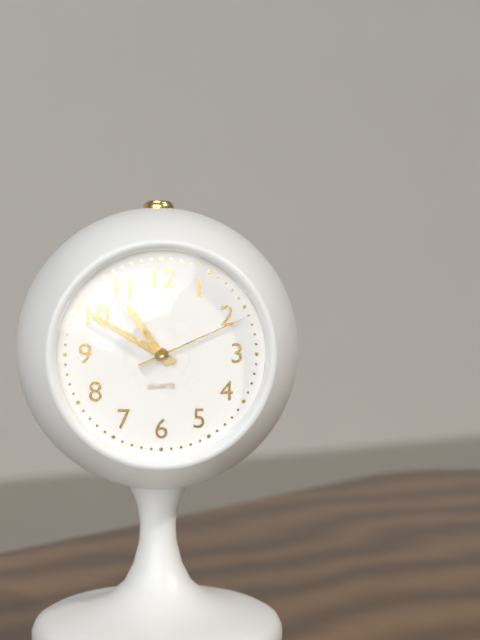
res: 10 h 50 min 11 s
